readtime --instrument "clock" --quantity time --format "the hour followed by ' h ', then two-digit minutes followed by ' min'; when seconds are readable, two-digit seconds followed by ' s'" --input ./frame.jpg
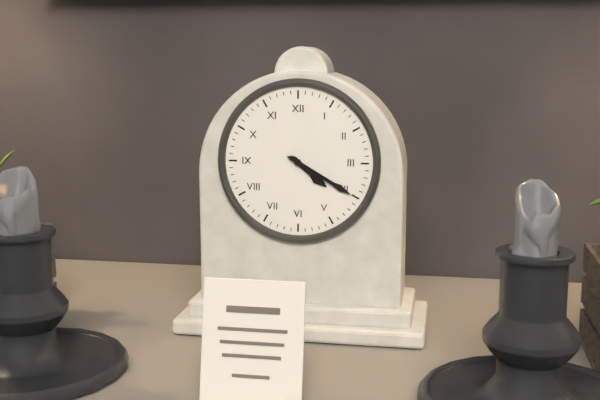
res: 4 h 20 min
